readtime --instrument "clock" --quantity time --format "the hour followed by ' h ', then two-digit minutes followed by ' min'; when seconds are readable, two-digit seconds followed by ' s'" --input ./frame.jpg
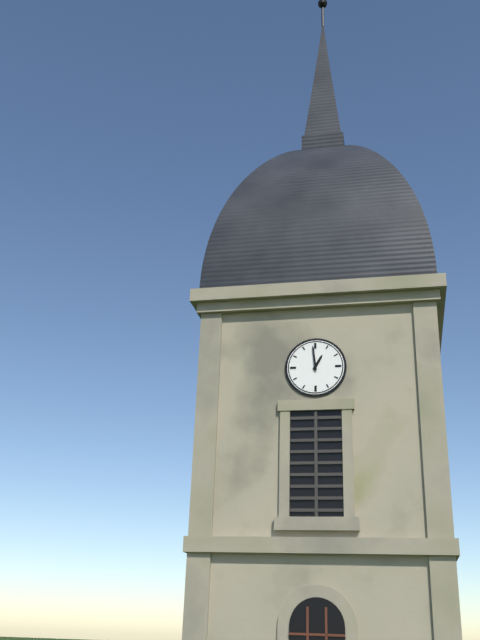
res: 12 h 59 min
